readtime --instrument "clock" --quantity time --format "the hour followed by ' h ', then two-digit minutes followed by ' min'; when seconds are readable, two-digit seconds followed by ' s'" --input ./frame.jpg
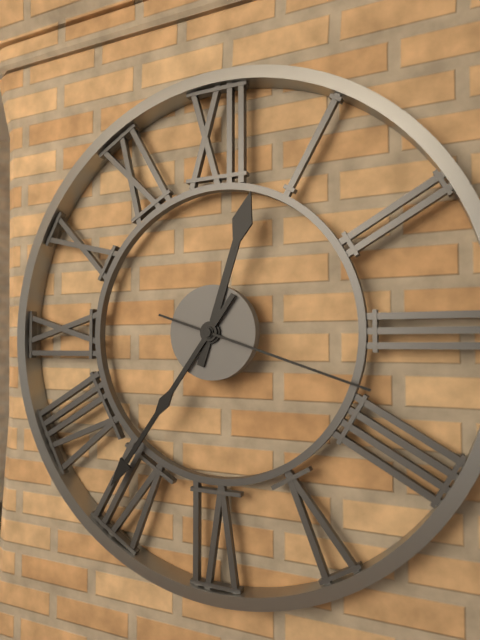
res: 12 h 36 min 18 s
